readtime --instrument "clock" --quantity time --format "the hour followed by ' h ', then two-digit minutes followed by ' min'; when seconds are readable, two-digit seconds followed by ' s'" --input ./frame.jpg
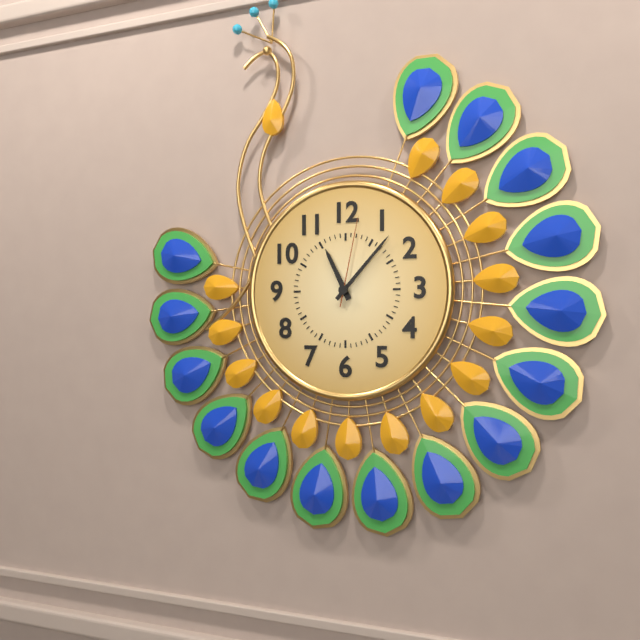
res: 11 h 07 min 02 s
